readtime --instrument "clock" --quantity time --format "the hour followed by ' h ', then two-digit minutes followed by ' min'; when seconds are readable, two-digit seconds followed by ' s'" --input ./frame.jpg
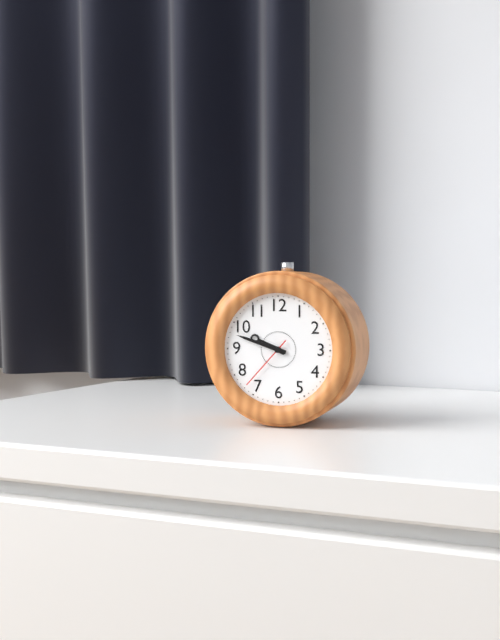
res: 9 h 48 min 37 s
